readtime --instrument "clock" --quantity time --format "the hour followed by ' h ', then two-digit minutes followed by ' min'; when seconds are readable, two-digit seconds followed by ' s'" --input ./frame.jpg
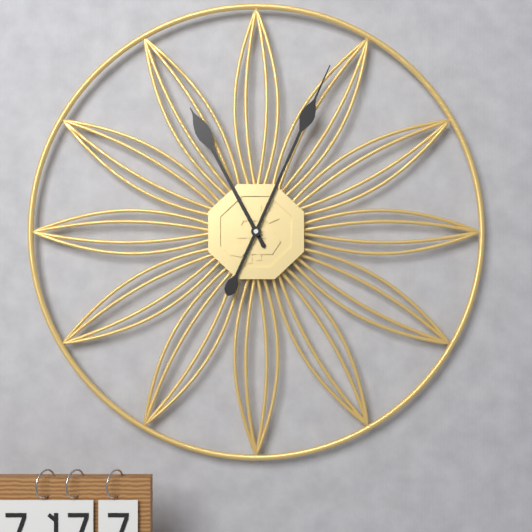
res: 11 h 04 min
